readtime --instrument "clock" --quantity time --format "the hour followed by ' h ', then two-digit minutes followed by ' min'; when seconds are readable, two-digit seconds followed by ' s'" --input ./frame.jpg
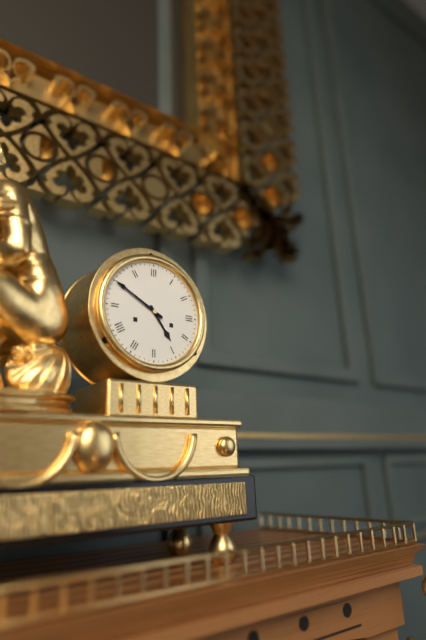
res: 4 h 50 min
